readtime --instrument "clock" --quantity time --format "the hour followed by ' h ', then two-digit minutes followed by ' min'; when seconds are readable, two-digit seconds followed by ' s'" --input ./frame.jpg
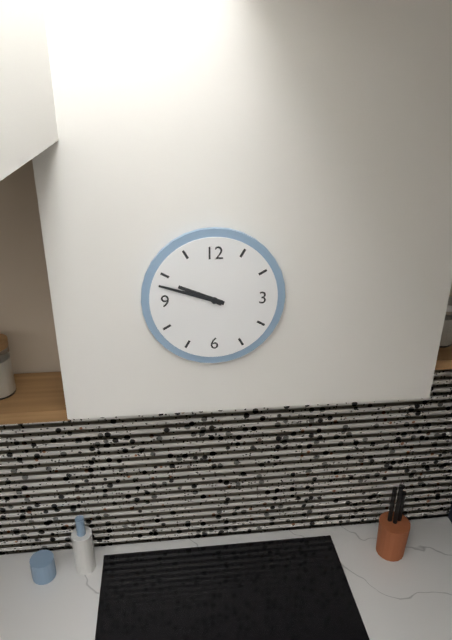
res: 9 h 48 min
